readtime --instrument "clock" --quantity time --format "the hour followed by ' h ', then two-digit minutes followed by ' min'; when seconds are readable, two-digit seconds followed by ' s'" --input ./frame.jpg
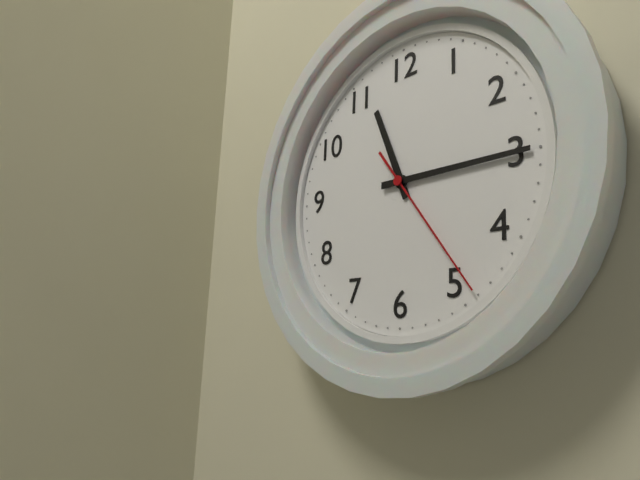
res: 11 h 15 min 24 s
